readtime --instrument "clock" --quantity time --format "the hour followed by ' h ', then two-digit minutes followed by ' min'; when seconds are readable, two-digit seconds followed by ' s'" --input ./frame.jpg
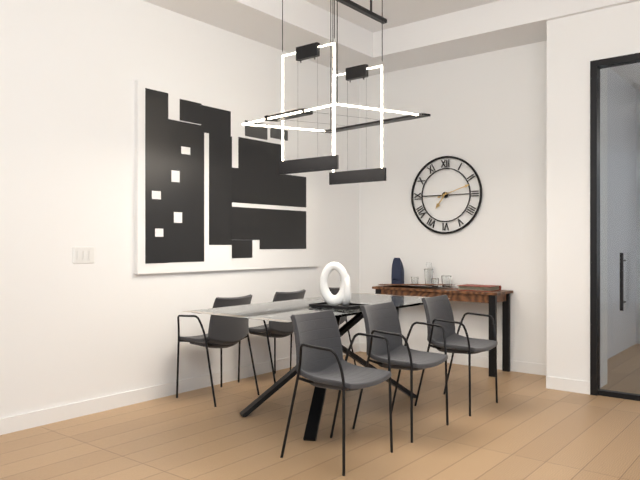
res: 7 h 12 min
